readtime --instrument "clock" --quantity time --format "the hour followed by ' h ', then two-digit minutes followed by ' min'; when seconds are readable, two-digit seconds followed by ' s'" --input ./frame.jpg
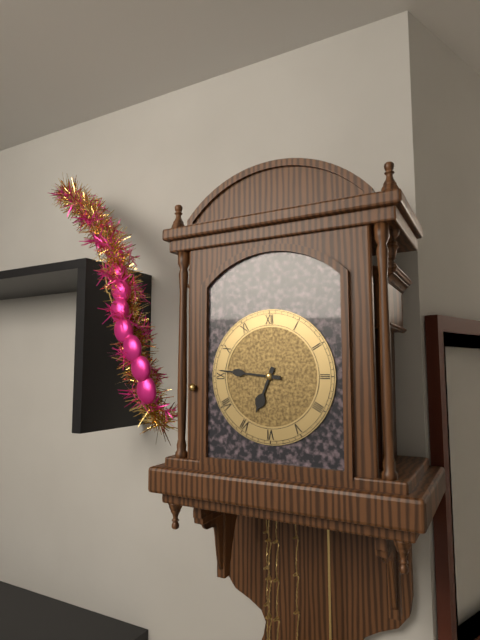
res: 6 h 46 min
